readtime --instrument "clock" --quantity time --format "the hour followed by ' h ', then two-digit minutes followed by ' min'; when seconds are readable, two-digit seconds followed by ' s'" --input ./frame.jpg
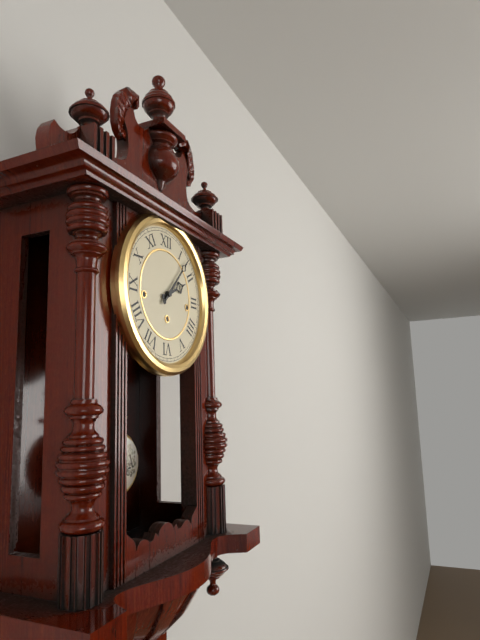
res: 2 h 07 min
